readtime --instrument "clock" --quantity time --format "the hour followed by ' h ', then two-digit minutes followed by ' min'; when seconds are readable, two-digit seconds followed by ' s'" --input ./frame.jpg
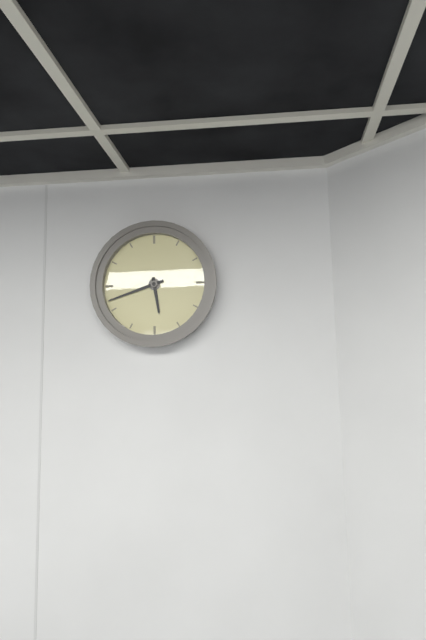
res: 5 h 42 min
